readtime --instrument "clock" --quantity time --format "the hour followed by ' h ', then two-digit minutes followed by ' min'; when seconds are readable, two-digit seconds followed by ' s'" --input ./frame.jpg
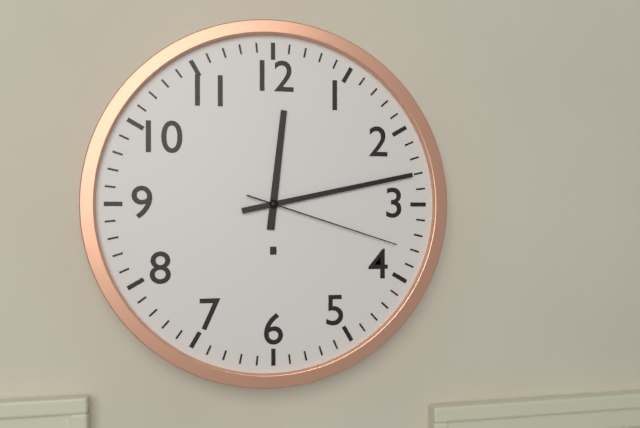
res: 12 h 13 min 18 s
